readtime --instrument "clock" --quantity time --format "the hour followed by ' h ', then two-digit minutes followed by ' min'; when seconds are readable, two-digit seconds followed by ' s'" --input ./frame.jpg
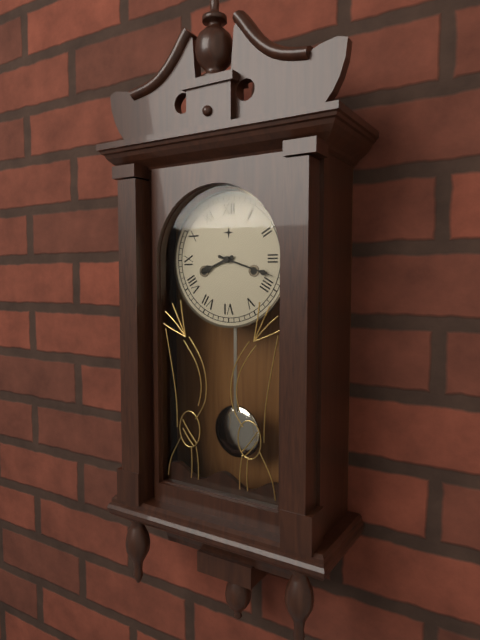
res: 8 h 18 min
